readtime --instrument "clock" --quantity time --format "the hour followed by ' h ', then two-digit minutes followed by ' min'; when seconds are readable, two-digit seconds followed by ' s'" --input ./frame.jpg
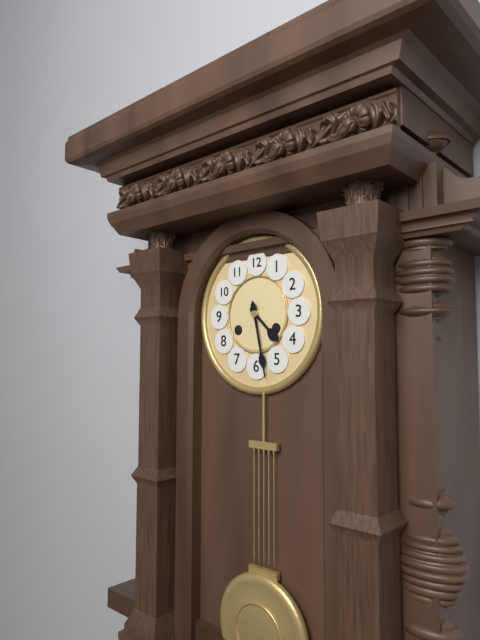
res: 4 h 28 min
